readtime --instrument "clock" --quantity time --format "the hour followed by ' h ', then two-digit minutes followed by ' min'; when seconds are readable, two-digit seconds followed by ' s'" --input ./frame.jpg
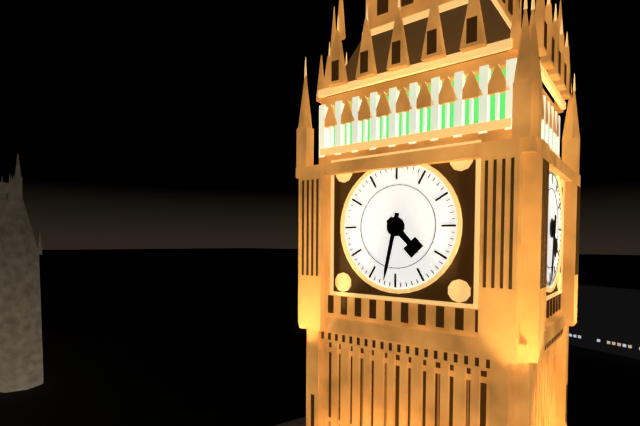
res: 4 h 32 min
